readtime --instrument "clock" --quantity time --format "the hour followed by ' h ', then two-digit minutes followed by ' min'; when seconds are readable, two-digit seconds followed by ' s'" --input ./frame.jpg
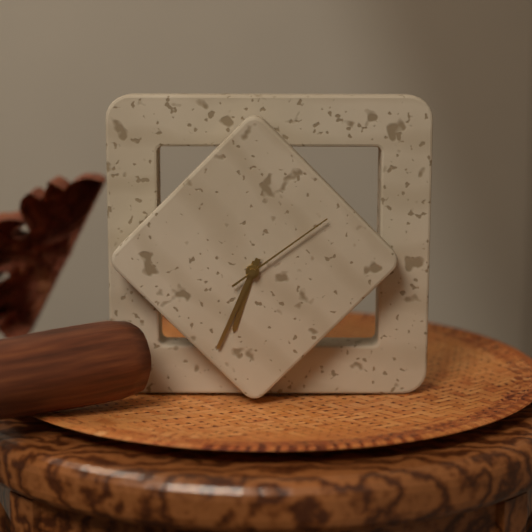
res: 6 h 34 min 09 s
